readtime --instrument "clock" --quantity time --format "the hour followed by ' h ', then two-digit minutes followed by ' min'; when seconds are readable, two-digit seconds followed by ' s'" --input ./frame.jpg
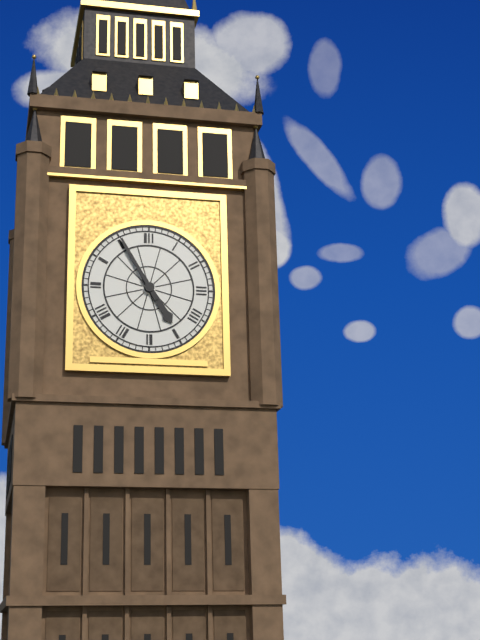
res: 4 h 55 min
